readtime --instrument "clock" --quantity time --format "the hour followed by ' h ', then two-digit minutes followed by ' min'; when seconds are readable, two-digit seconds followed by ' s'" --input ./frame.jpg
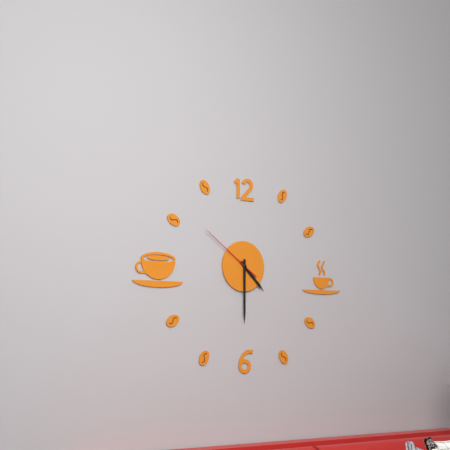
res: 4 h 30 min 51 s
